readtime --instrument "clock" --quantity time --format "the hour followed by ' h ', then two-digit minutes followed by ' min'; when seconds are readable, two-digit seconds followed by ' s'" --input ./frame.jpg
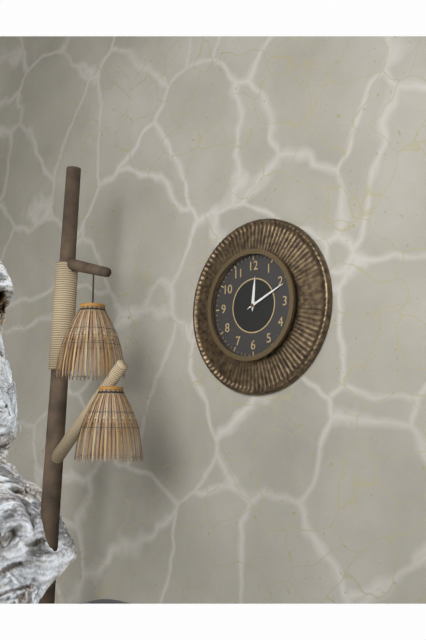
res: 12 h 11 min
